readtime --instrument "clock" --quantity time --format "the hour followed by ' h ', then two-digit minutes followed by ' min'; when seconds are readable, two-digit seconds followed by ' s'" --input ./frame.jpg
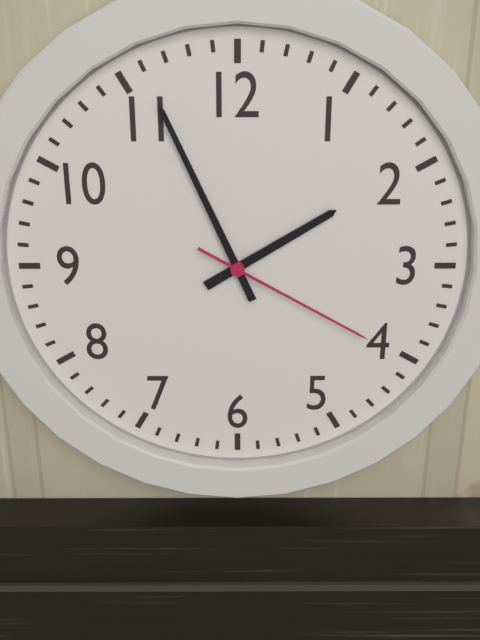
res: 1 h 56 min 20 s
